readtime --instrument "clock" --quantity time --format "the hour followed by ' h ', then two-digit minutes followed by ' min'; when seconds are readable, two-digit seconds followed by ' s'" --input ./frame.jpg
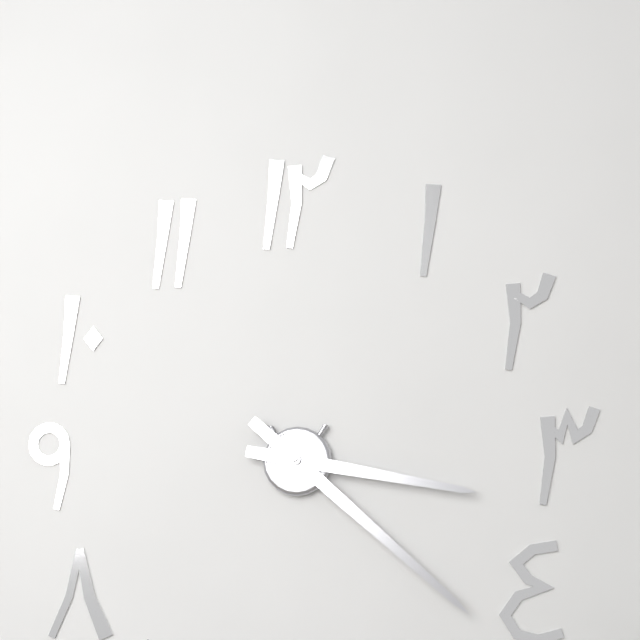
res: 3 h 22 min
